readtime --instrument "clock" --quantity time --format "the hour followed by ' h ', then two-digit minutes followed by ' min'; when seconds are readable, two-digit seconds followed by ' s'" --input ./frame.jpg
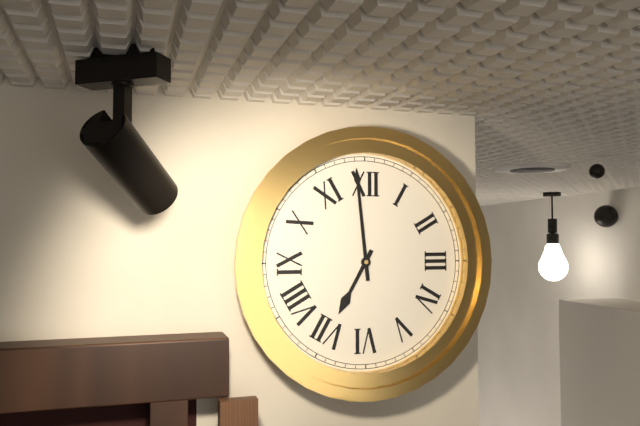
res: 6 h 59 min
